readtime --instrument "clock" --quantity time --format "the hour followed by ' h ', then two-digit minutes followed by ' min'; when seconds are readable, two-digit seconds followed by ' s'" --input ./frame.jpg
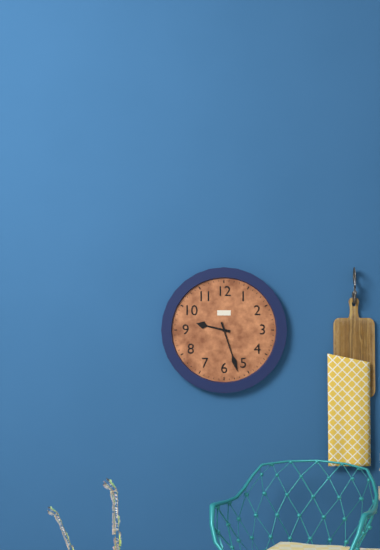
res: 9 h 27 min
